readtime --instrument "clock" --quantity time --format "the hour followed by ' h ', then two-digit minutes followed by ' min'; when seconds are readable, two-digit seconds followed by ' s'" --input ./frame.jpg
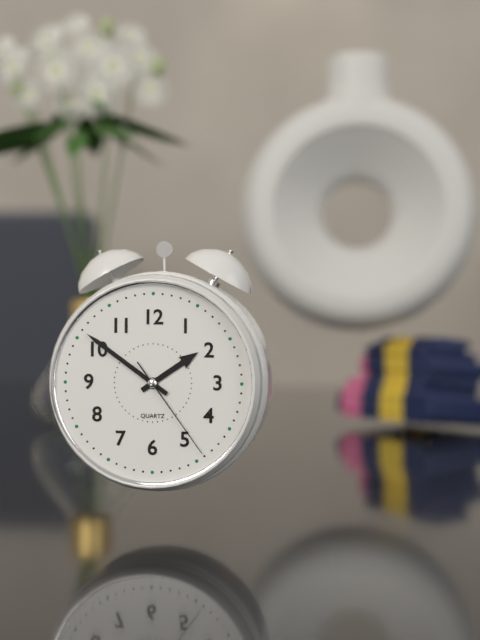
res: 1 h 51 min 24 s
